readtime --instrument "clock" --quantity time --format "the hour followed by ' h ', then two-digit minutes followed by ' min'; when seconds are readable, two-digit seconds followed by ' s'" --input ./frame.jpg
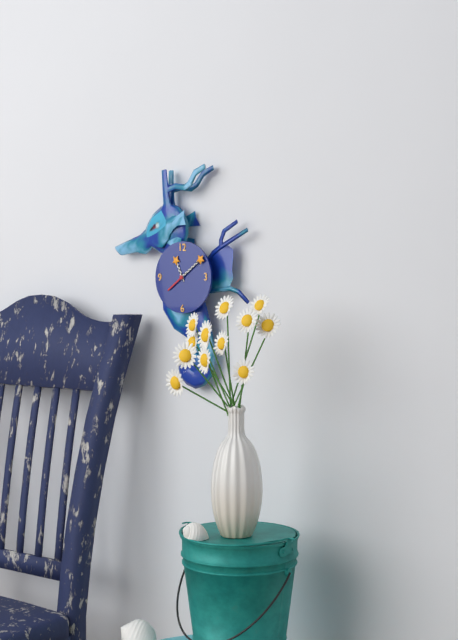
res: 11 h 09 min
